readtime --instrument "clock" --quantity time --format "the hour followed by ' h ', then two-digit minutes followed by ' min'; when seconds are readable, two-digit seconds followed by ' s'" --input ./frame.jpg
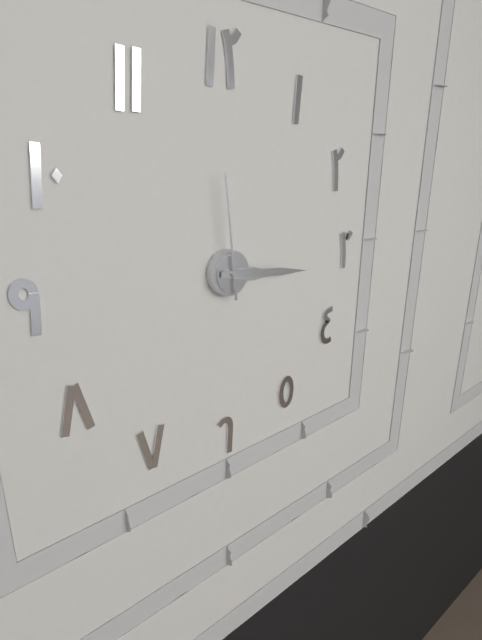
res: 3 h 16 min 59 s
